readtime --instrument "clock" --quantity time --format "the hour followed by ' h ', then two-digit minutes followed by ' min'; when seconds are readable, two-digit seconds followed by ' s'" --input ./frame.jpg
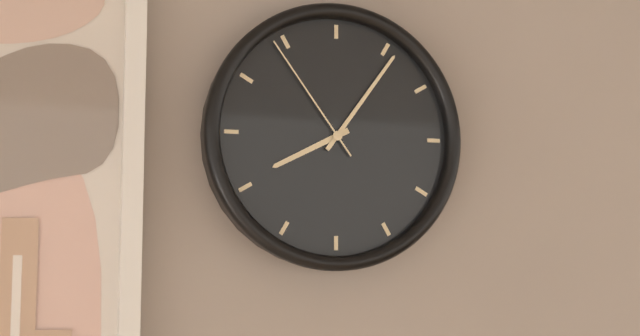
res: 8 h 06 min 54 s
